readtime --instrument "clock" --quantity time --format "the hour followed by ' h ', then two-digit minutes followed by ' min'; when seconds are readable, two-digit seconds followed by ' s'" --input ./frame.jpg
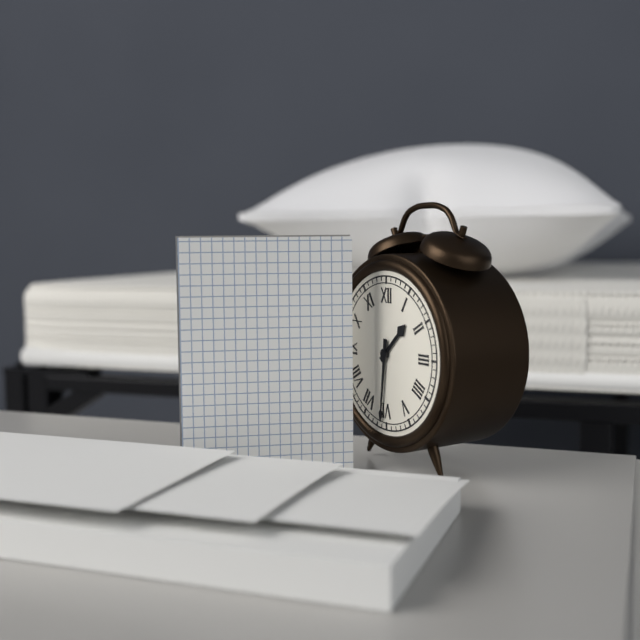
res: 1 h 31 min
